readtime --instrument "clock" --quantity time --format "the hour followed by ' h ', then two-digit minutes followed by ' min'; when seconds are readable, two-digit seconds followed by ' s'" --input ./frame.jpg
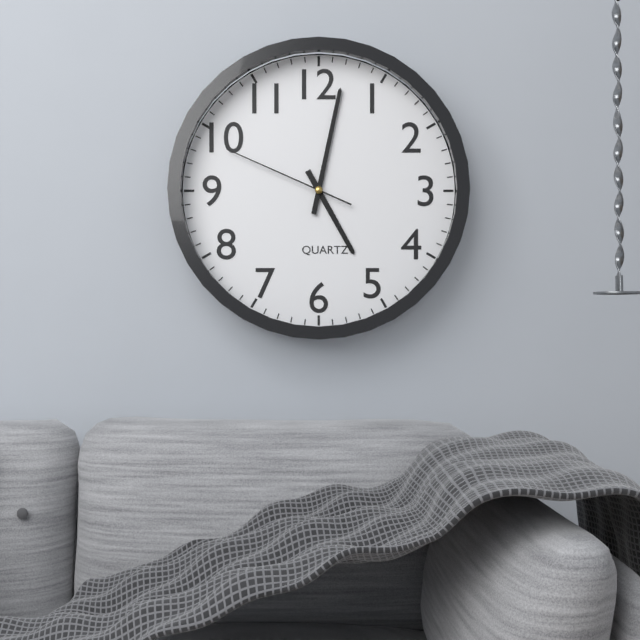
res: 5 h 02 min 49 s
